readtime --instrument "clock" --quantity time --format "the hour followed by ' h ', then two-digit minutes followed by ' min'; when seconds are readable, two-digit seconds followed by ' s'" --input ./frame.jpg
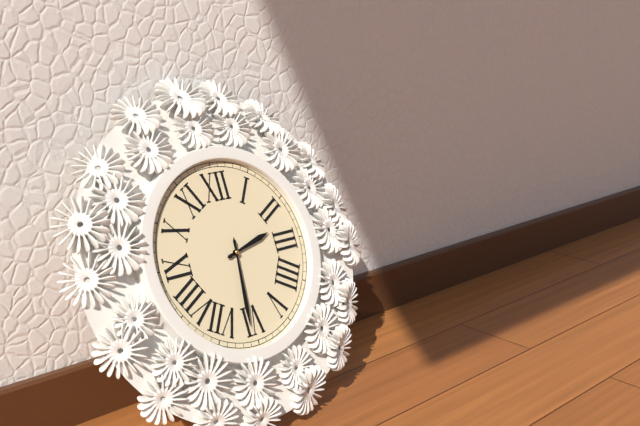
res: 2 h 31 min
